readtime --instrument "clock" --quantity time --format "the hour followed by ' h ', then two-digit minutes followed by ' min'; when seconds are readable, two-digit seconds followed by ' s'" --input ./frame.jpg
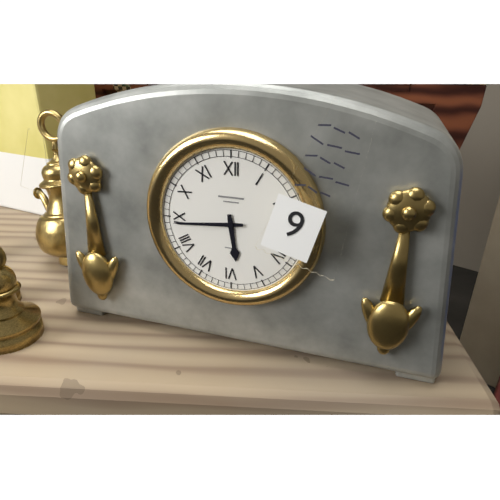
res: 5 h 44 min
